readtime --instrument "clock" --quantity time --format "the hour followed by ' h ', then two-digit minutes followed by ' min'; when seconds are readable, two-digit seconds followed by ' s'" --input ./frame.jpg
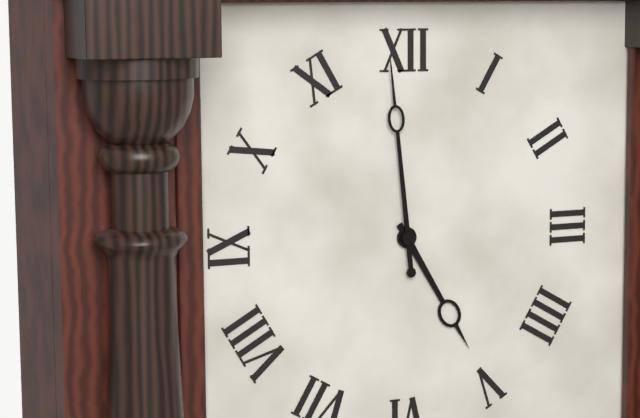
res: 4 h 59 min
